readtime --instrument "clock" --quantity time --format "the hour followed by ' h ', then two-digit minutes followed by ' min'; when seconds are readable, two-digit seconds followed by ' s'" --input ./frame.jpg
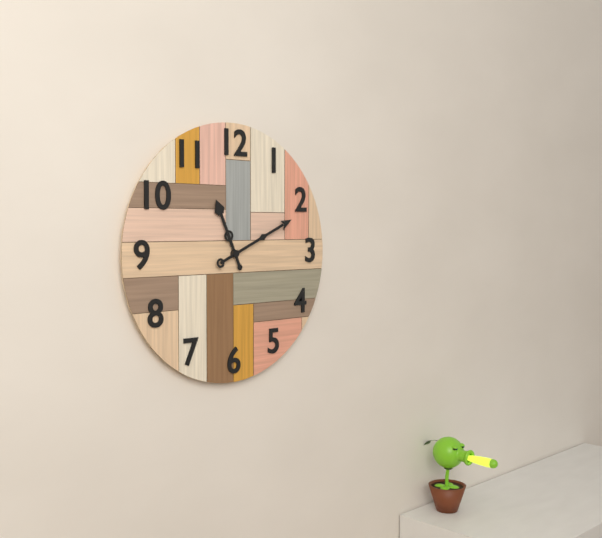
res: 11 h 11 min
